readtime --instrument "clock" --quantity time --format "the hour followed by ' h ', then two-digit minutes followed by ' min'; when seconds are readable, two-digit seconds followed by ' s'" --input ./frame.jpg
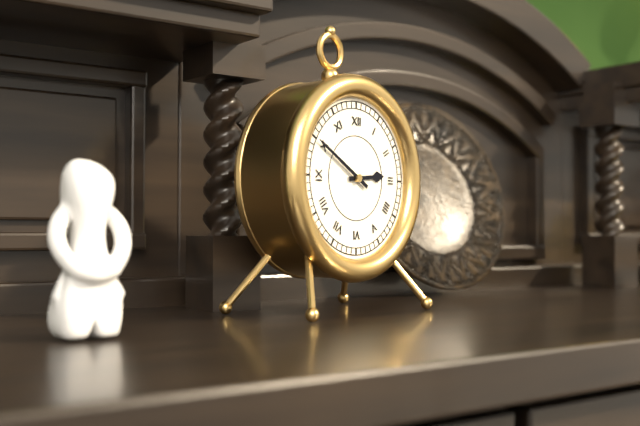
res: 2 h 50 min
